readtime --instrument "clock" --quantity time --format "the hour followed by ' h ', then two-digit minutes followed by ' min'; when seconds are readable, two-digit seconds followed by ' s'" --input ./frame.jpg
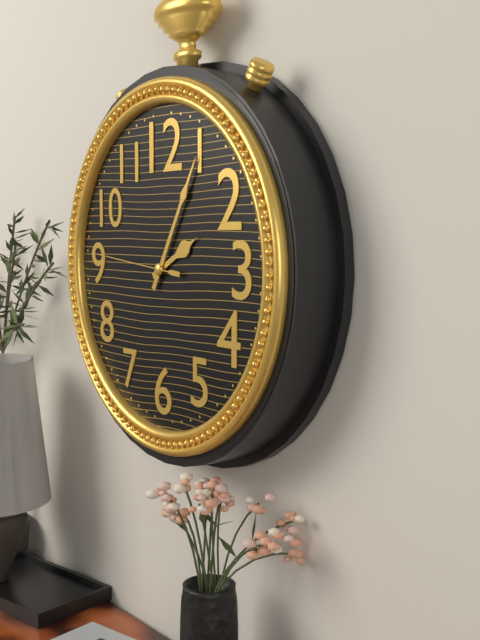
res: 2 h 05 min 46 s
